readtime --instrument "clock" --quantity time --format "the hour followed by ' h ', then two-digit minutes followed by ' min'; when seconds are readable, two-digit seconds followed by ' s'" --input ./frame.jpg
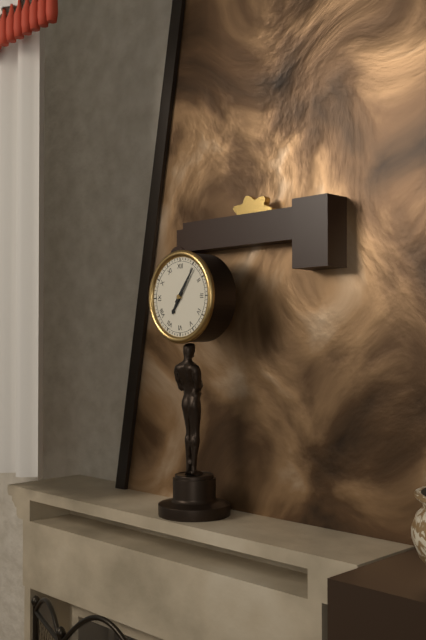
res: 7 h 06 min
